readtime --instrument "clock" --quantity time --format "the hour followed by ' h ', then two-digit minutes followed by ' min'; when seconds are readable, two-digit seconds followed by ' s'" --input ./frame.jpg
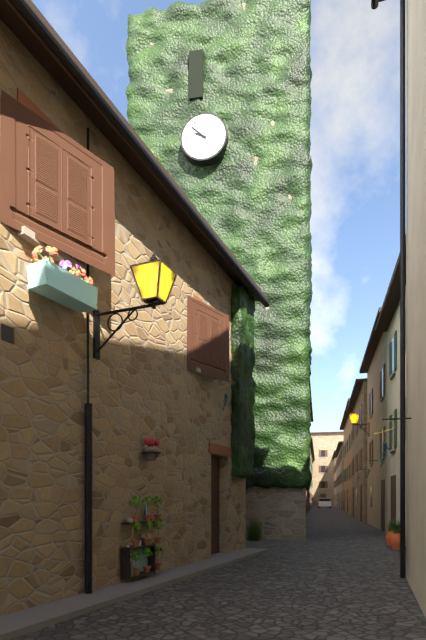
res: 9 h 52 min
